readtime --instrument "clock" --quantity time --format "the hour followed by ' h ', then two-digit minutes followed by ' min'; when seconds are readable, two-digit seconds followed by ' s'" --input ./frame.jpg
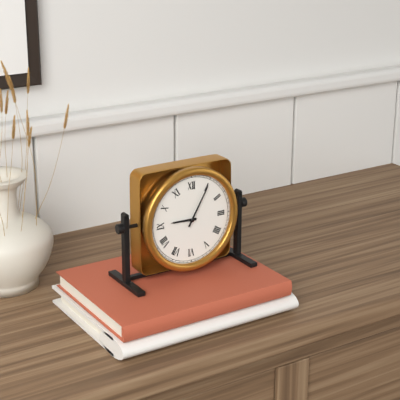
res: 9 h 05 min
